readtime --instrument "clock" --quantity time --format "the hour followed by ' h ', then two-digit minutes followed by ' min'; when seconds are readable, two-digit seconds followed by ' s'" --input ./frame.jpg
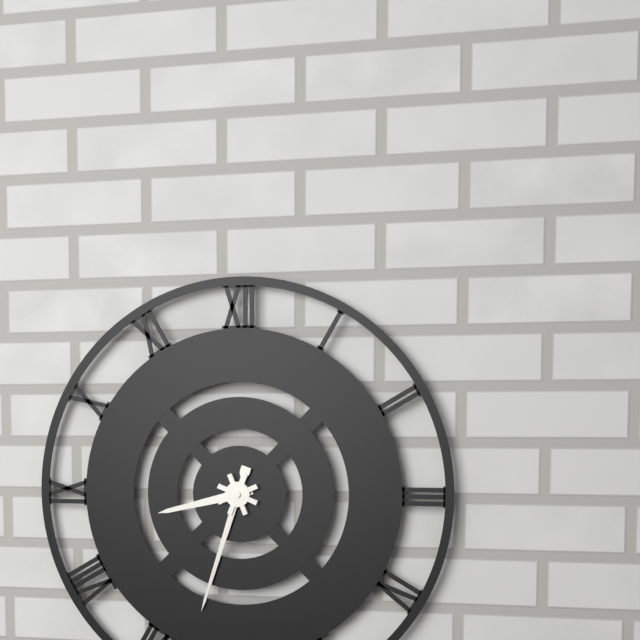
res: 8 h 33 min
